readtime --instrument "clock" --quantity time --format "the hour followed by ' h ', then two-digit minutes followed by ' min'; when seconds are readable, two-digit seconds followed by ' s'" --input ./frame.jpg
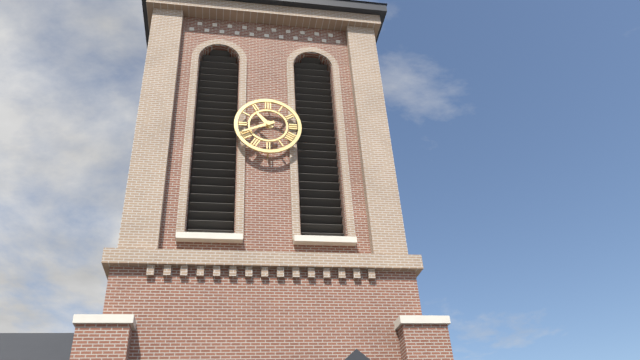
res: 10 h 41 min
